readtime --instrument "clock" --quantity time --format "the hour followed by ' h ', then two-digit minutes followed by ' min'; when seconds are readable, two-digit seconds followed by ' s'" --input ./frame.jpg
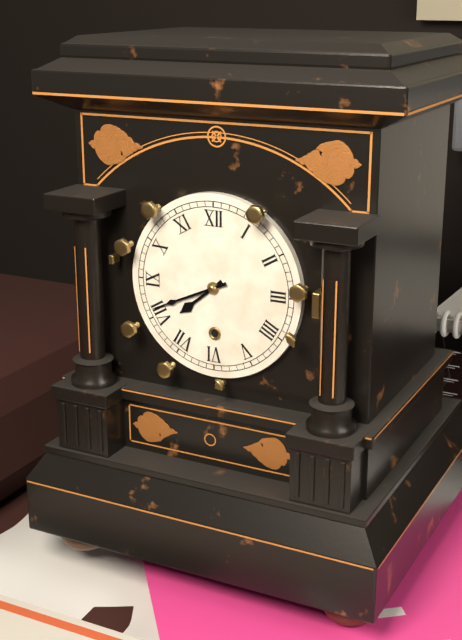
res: 7 h 41 min
